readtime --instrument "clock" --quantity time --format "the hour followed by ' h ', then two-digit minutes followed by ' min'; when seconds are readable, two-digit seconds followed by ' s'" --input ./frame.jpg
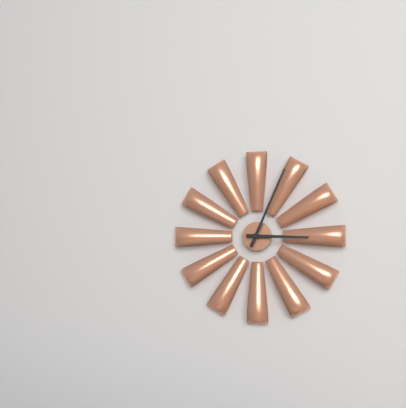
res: 3 h 04 min
